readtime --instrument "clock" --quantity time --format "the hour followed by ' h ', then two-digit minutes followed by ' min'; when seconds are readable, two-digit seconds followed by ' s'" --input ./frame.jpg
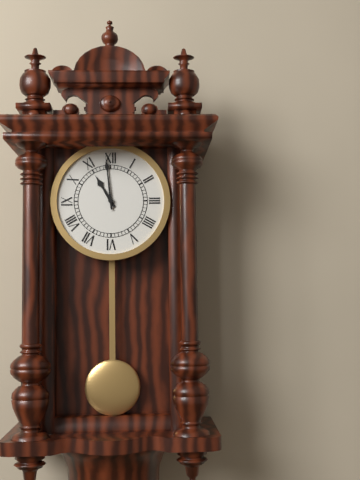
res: 10 h 59 min
